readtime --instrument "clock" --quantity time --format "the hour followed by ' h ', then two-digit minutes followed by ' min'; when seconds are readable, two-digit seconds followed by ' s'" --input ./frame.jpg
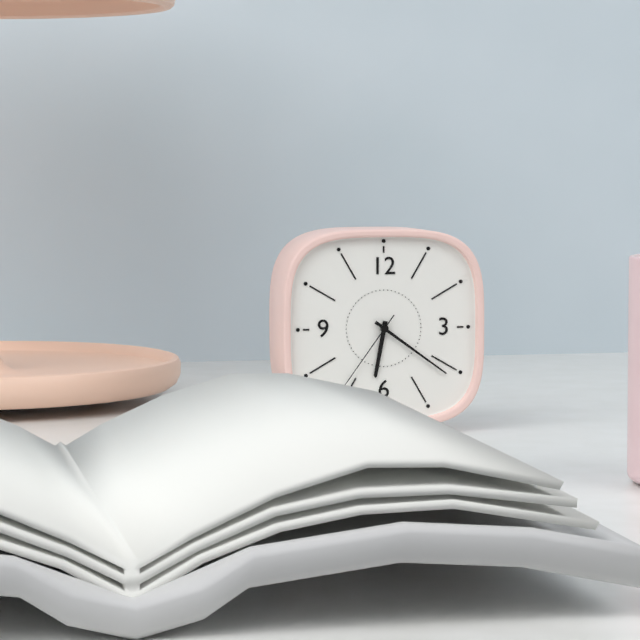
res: 6 h 21 min 36 s
